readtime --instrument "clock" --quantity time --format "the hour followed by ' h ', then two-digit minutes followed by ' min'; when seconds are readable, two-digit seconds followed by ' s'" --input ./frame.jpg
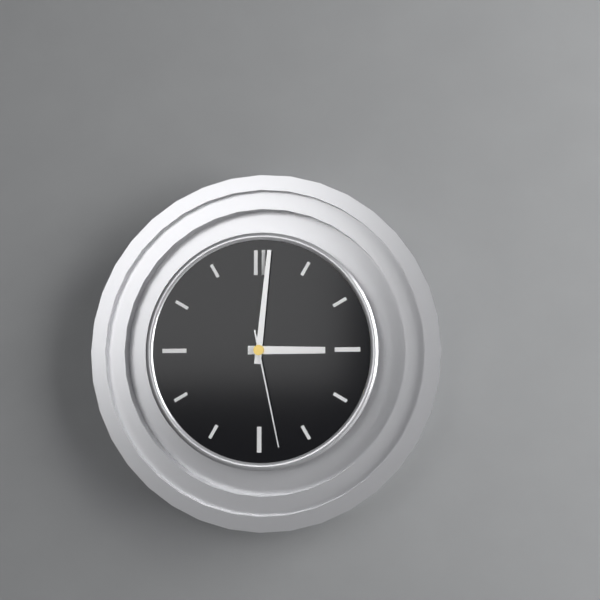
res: 3 h 01 min 28 s
